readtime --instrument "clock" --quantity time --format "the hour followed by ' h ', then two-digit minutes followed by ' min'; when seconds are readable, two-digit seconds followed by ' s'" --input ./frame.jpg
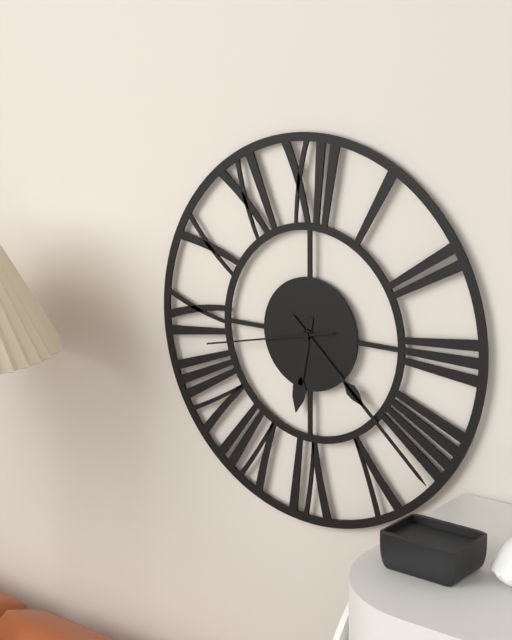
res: 6 h 22 min 43 s
